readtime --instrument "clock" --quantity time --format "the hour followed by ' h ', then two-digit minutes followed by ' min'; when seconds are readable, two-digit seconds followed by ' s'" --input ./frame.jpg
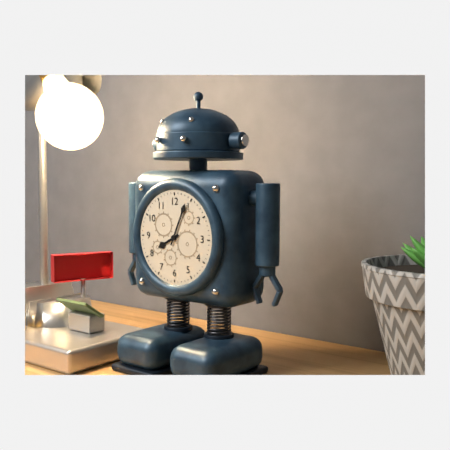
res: 8 h 04 min
